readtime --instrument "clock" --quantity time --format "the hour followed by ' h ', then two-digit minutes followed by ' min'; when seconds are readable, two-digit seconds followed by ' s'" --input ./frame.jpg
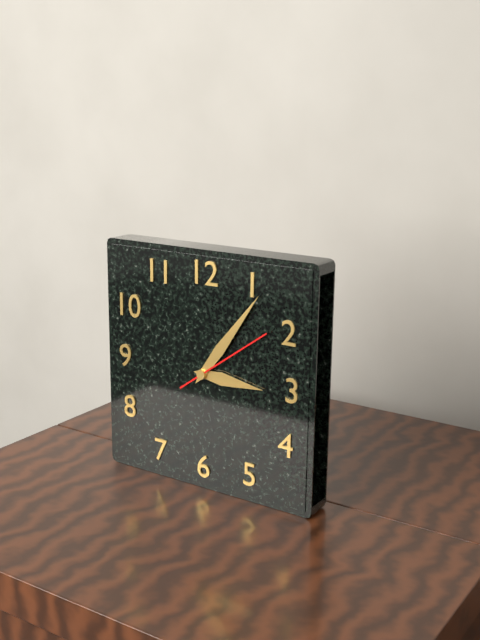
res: 3 h 06 min 09 s
